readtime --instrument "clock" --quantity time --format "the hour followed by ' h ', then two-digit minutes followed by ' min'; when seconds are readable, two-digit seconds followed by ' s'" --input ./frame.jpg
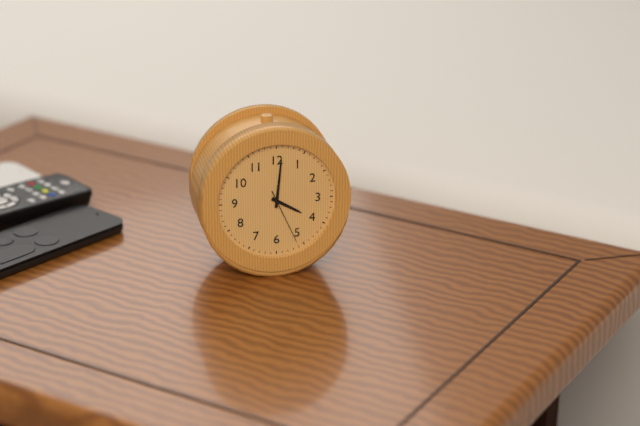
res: 4 h 01 min 26 s
